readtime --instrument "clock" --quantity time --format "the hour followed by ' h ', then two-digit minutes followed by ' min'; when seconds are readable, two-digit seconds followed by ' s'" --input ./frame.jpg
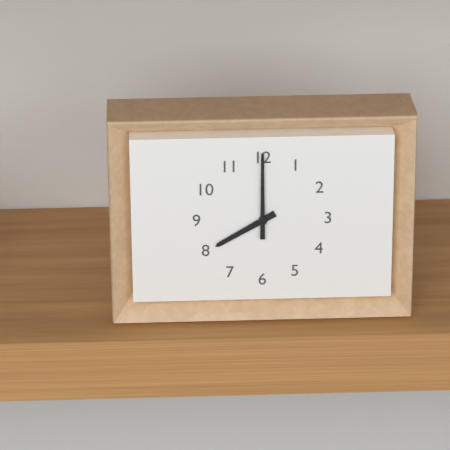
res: 8 h 00 min
